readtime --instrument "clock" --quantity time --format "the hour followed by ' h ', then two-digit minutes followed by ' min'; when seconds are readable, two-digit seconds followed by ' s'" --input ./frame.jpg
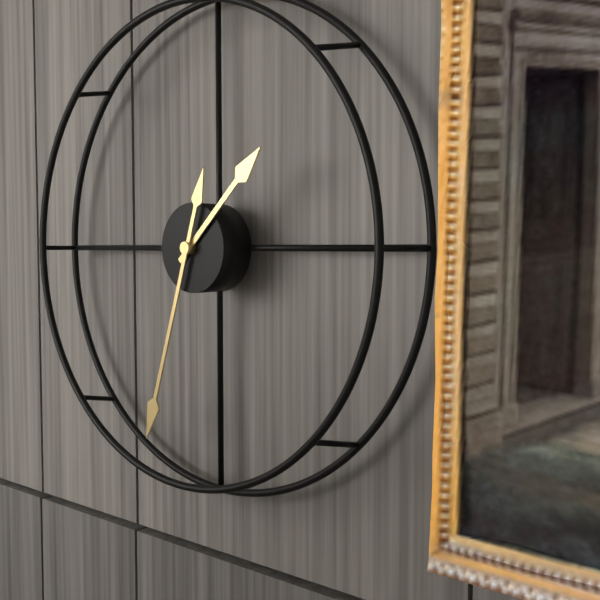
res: 1 h 33 min
